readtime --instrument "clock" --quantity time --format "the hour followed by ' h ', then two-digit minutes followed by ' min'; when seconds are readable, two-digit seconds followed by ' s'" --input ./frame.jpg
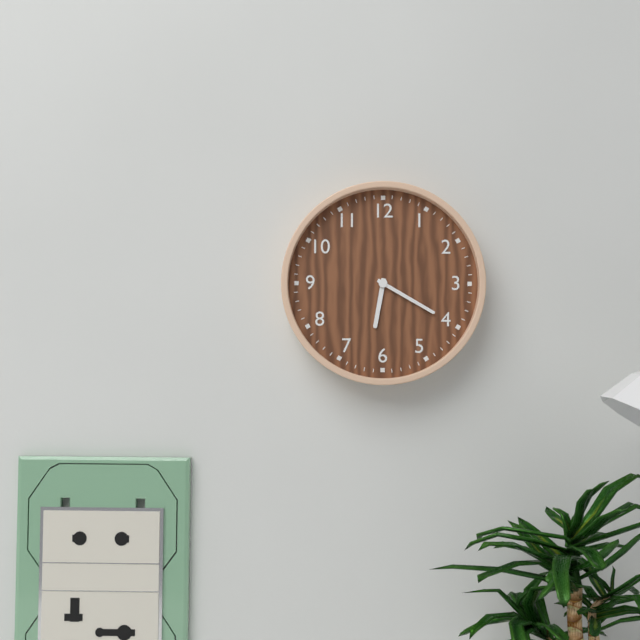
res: 6 h 20 min
